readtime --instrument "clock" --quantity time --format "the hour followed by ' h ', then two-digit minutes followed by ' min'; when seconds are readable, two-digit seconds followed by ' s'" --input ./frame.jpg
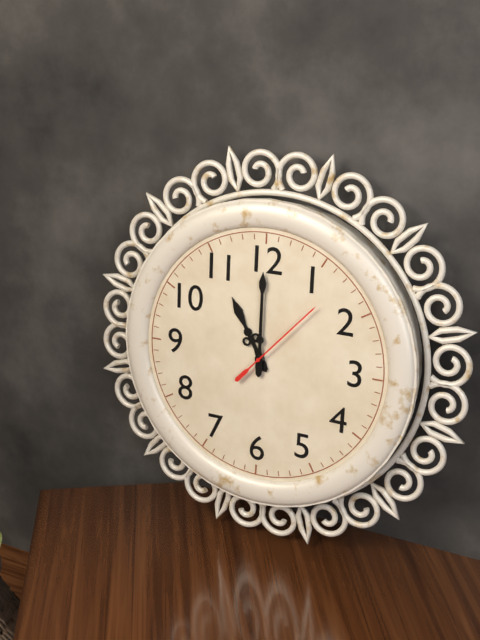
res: 11 h 00 min 07 s
